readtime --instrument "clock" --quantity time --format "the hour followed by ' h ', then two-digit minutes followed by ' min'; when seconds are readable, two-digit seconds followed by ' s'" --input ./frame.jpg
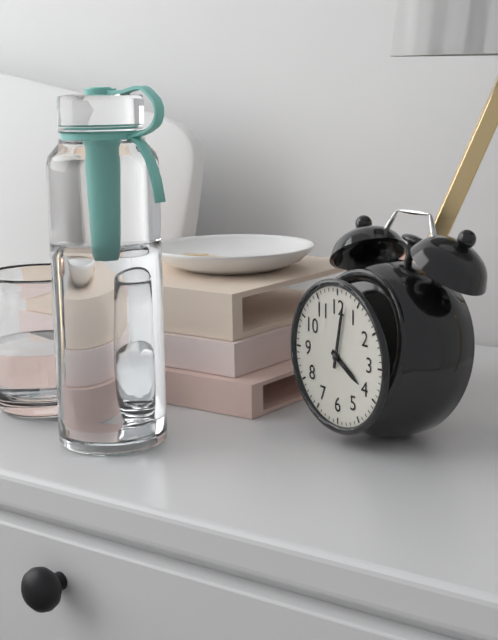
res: 4 h 02 min
